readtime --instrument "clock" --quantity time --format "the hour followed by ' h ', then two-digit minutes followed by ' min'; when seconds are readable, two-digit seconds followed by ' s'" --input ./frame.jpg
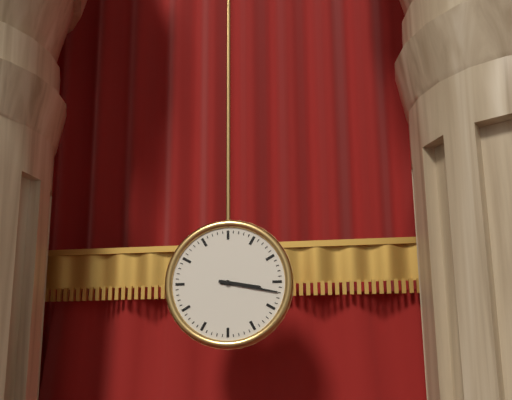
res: 3 h 17 min
